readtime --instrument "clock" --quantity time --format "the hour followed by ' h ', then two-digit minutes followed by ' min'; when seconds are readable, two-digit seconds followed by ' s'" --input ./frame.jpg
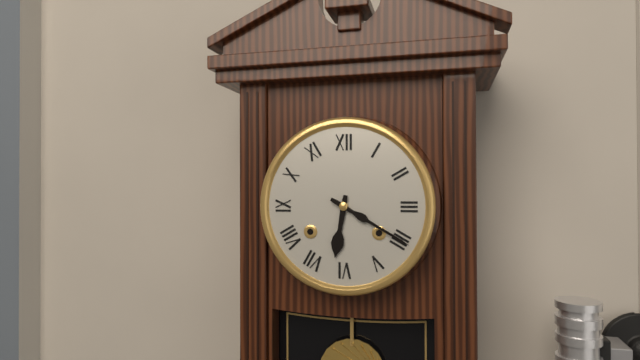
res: 6 h 20 min
